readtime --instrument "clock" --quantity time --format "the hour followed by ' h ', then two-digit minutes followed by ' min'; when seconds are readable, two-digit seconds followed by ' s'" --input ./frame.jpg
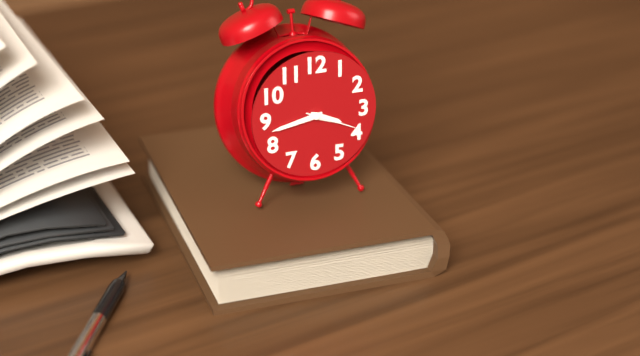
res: 3 h 43 min 19 s
